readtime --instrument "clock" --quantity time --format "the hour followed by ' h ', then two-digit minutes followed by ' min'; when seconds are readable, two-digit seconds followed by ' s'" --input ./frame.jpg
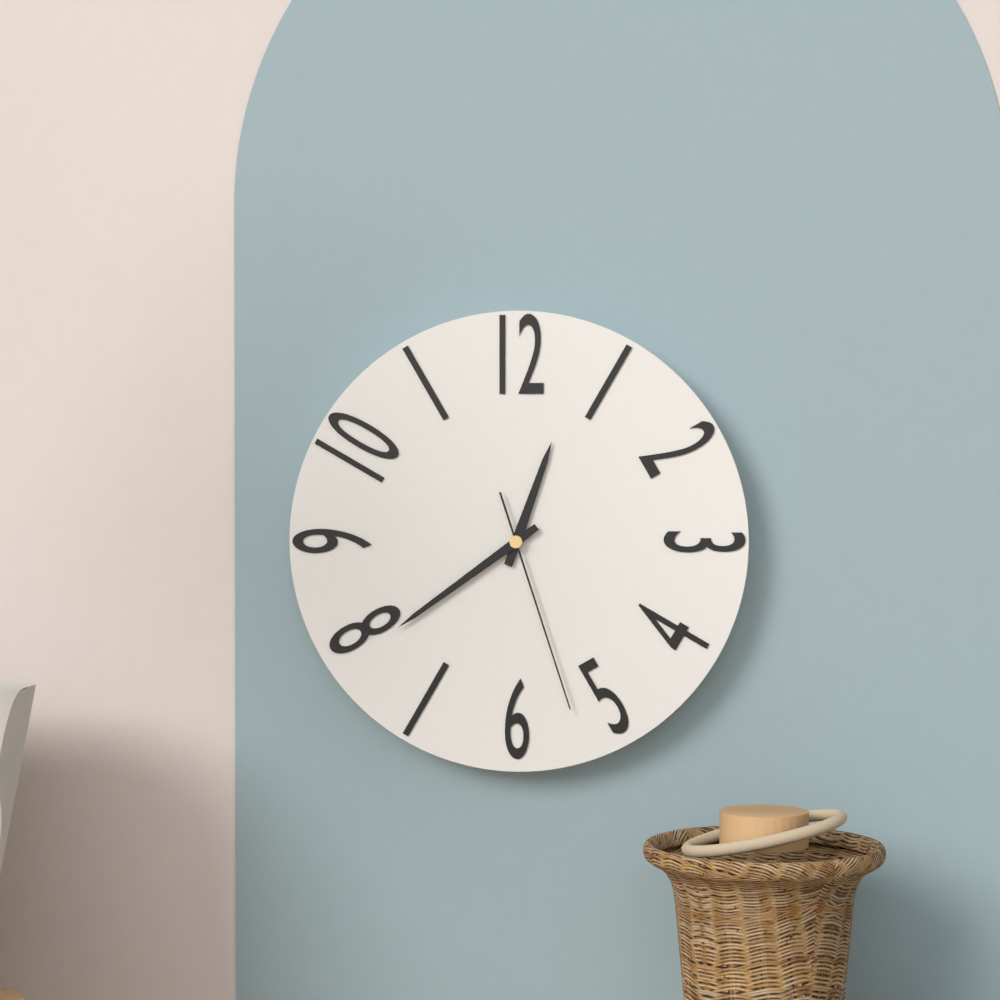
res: 12 h 39 min 27 s
